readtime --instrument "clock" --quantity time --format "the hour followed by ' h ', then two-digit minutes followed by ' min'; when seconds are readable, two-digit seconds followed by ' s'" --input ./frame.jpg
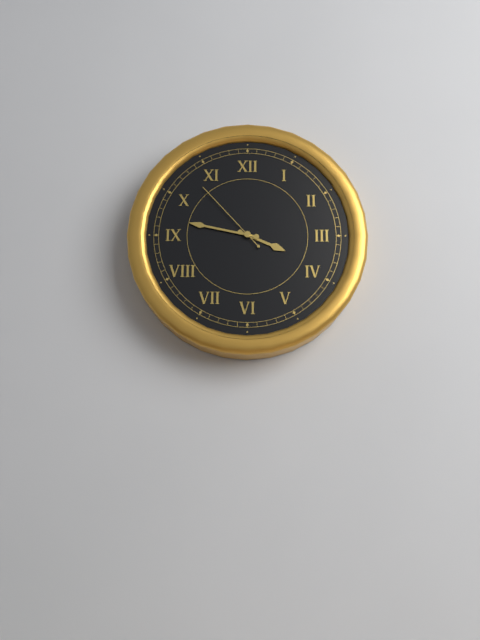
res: 3 h 47 min 53 s
